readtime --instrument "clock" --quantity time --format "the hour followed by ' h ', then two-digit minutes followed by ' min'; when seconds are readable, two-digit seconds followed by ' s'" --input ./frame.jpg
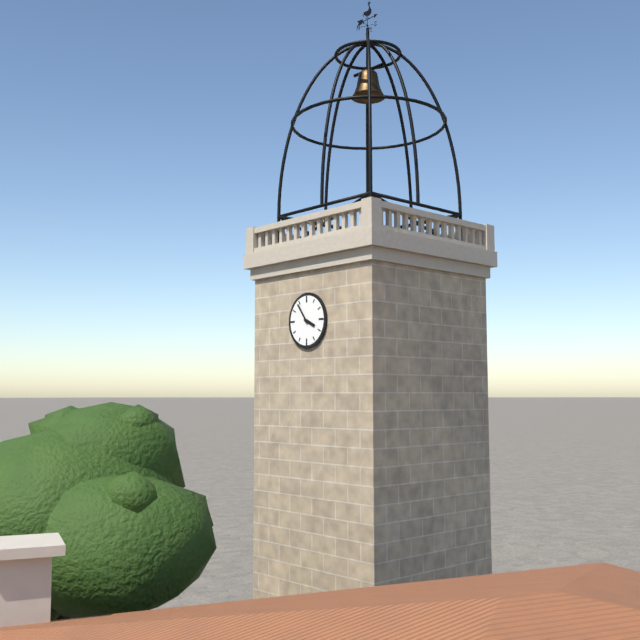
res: 3 h 54 min
